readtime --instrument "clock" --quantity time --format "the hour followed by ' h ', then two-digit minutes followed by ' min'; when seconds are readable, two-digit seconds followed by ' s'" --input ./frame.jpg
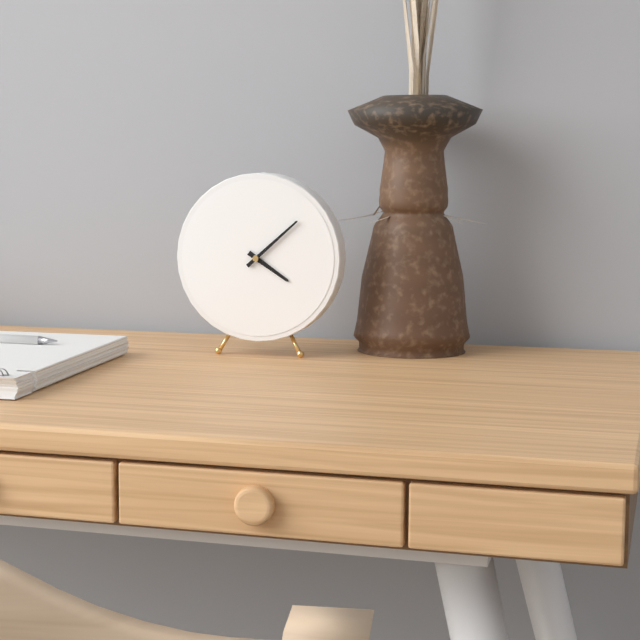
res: 4 h 08 min
